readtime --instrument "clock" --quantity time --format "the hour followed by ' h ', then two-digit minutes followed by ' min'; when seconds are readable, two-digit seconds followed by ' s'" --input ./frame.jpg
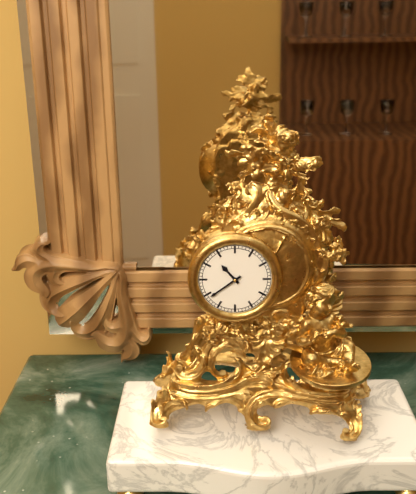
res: 10 h 39 min
